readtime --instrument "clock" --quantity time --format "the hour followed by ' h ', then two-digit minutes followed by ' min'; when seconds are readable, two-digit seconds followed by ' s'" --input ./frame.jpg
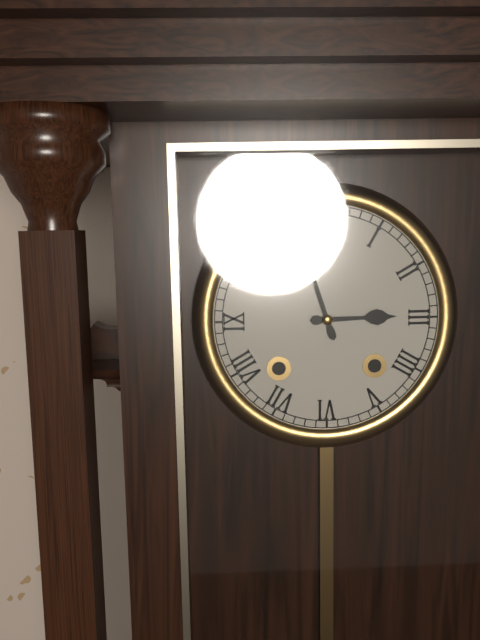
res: 2 h 57 min
